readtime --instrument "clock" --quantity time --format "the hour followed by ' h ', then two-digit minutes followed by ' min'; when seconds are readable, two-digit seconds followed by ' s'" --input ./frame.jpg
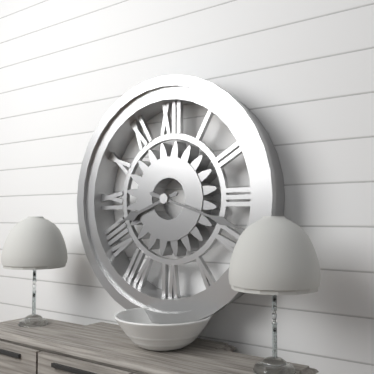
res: 8 h 18 min
